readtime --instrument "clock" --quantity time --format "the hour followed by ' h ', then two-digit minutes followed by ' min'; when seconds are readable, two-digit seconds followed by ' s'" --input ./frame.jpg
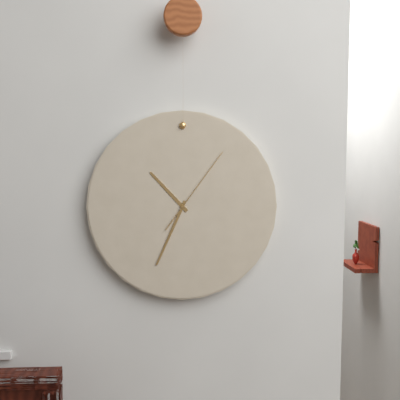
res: 10 h 34 min 06 s
